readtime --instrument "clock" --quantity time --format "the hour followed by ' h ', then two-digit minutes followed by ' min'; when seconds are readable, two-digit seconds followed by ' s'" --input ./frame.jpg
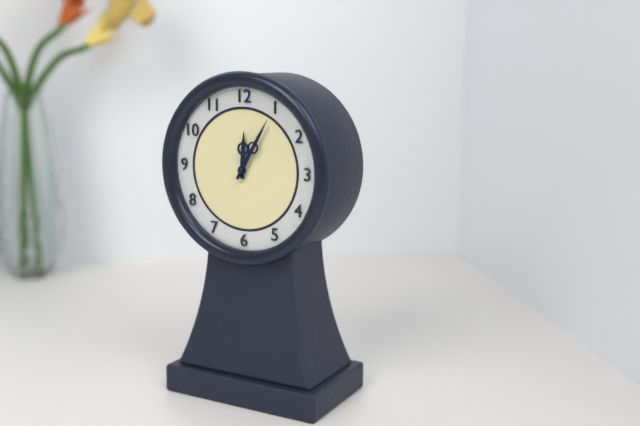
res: 12 h 05 min
